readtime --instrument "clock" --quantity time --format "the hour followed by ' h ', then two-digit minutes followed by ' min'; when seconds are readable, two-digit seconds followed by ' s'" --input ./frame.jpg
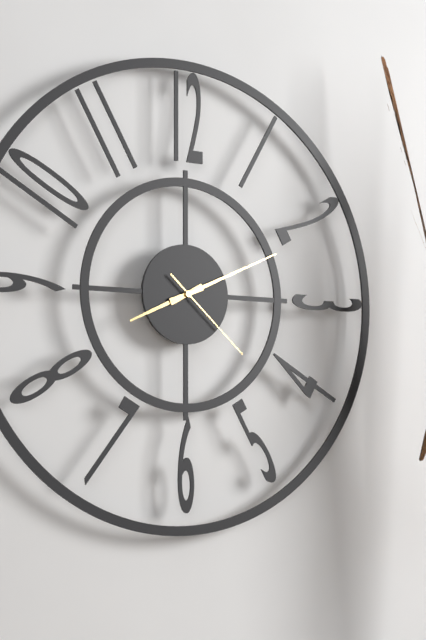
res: 8 h 11 min 22 s
